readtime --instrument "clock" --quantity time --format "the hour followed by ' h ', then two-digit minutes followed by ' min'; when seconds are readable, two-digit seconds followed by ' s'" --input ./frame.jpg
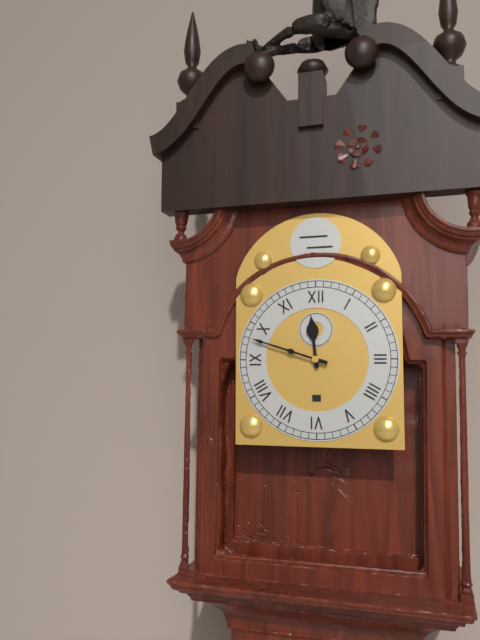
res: 11 h 48 min
